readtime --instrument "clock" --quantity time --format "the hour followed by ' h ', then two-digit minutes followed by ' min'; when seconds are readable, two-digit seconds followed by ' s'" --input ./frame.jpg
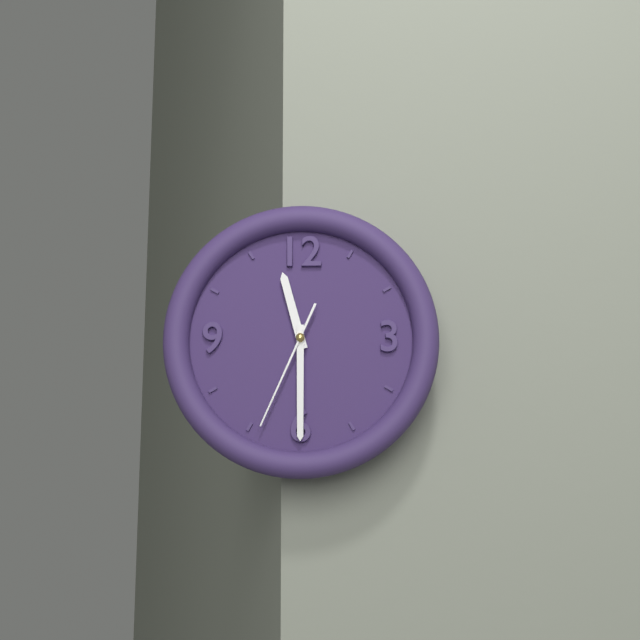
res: 11 h 30 min 34 s
